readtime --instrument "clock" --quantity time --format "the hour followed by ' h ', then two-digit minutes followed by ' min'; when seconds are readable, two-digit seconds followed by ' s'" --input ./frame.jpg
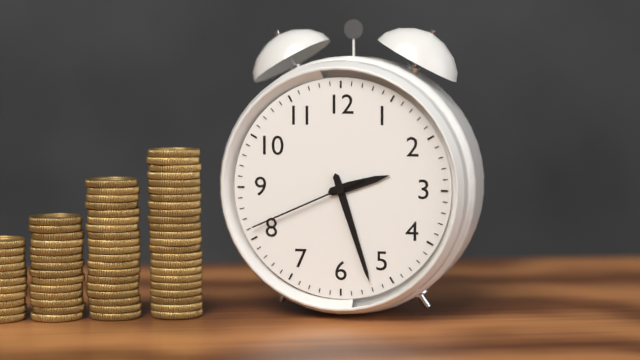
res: 2 h 27 min 41 s
